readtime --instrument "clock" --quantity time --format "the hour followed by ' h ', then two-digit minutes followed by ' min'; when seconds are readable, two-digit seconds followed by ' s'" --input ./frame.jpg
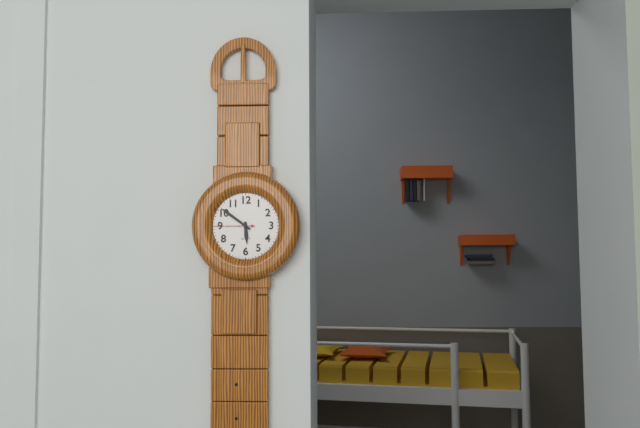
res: 5 h 51 min
